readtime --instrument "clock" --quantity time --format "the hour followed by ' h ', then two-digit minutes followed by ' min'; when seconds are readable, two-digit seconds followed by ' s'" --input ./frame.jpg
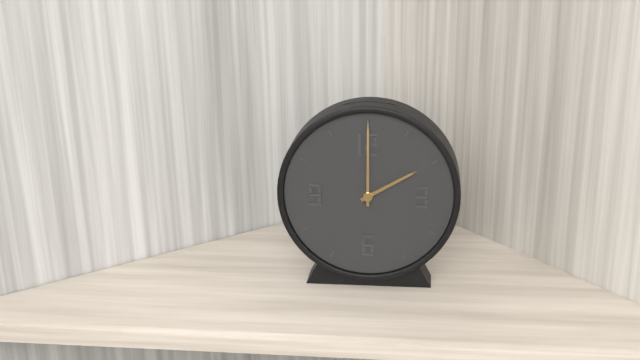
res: 2 h 00 min
